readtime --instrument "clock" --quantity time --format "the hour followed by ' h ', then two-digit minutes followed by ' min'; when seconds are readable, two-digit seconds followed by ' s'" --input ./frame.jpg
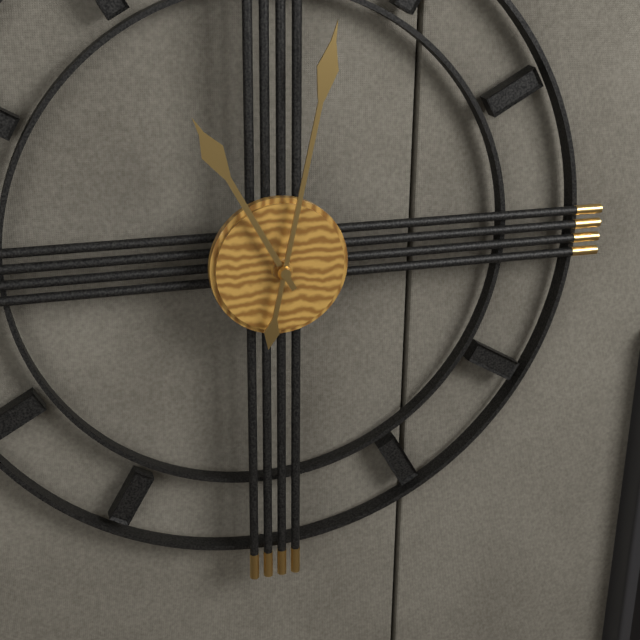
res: 11 h 02 min
